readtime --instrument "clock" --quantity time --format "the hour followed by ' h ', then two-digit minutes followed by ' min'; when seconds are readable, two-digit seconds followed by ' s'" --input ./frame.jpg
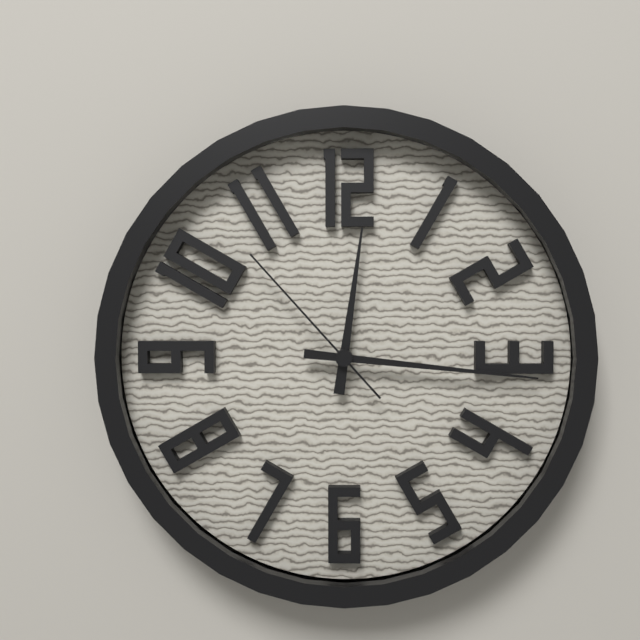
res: 12 h 16 min 53 s
